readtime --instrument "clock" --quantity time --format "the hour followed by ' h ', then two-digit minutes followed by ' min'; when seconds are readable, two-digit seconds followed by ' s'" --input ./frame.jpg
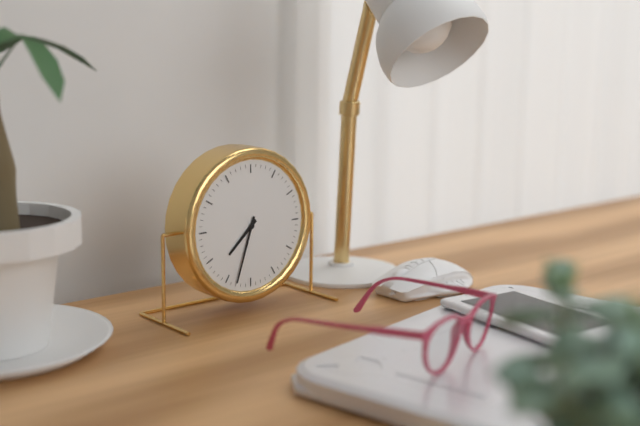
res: 7 h 33 min
